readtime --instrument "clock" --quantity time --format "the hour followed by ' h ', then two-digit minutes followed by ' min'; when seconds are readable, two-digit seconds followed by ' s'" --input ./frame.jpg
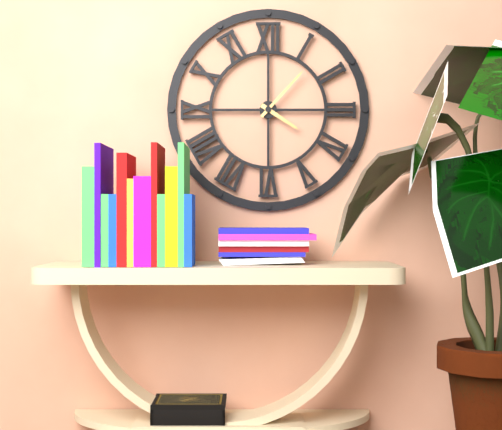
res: 4 h 07 min
